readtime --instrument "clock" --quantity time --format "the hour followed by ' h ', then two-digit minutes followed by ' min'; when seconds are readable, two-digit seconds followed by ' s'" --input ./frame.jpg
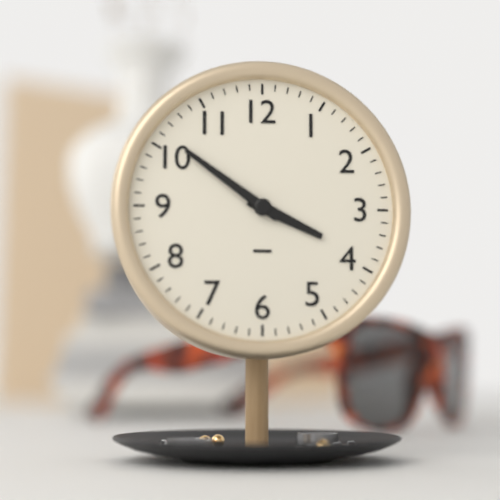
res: 3 h 51 min
